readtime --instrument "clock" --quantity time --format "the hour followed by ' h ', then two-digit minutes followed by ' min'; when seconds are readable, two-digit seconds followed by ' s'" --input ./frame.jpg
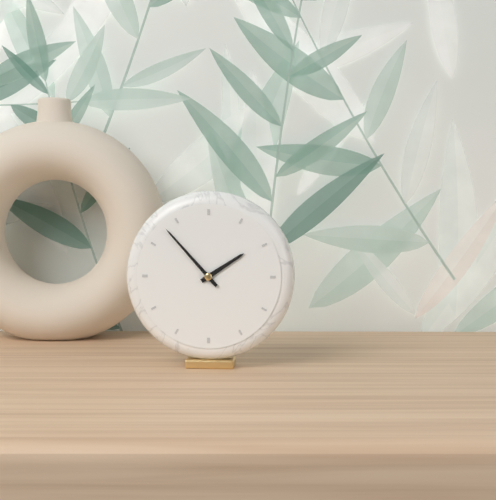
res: 1 h 53 min
